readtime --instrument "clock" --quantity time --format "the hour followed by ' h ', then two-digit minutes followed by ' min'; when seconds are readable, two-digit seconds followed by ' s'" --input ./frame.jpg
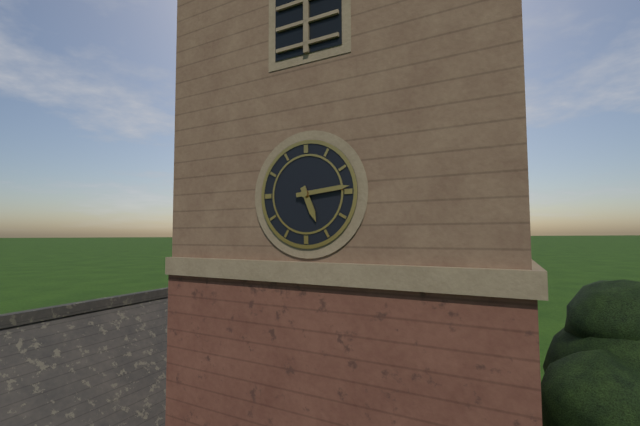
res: 5 h 14 min
